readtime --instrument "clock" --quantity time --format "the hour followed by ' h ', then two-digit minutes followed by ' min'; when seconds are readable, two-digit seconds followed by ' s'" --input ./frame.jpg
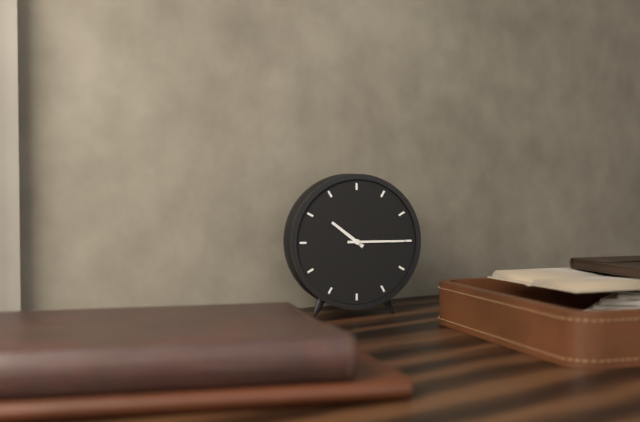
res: 10 h 15 min
